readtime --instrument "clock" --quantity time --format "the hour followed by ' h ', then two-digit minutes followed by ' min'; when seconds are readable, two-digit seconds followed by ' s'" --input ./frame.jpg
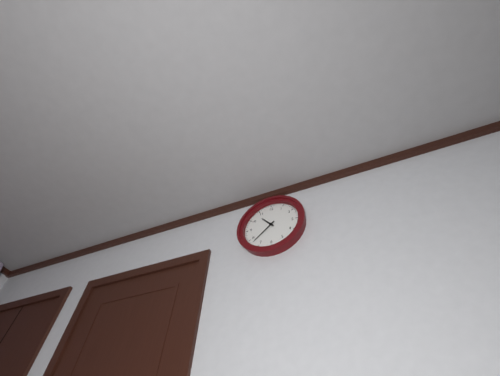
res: 10 h 38 min
